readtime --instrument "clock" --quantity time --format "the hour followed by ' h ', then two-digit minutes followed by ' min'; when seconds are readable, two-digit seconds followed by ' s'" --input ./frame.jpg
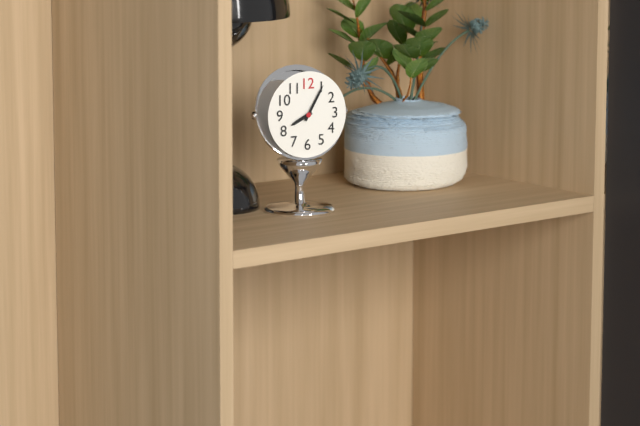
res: 8 h 05 min
